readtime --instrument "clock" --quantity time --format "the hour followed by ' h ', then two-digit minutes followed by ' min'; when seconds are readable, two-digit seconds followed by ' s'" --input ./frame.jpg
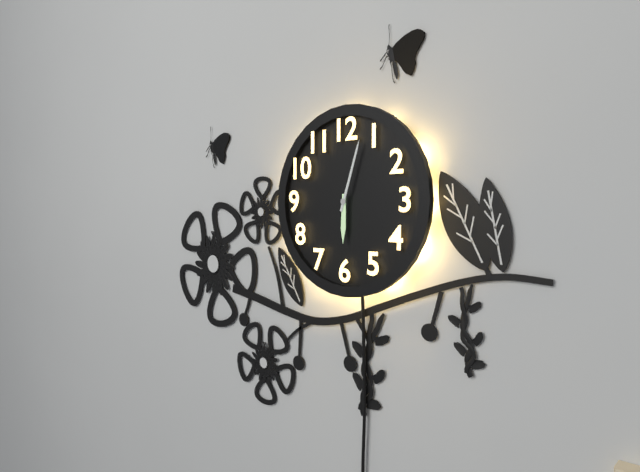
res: 6 h 03 min
